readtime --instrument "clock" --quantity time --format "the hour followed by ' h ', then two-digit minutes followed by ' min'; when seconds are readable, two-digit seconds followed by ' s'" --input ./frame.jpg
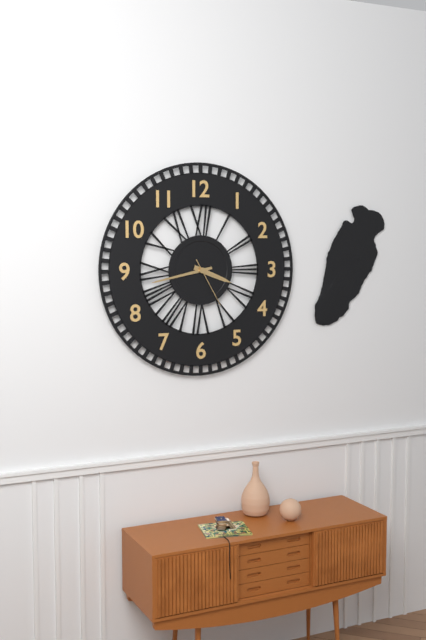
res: 3 h 43 min
